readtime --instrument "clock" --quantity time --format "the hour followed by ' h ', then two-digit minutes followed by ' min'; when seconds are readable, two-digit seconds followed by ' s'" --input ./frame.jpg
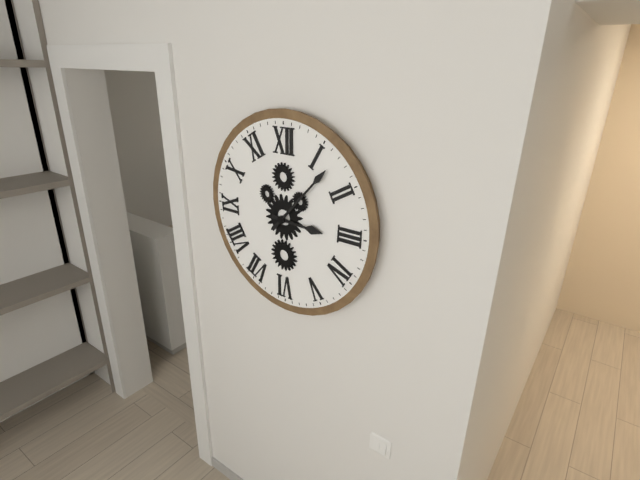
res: 3 h 07 min
